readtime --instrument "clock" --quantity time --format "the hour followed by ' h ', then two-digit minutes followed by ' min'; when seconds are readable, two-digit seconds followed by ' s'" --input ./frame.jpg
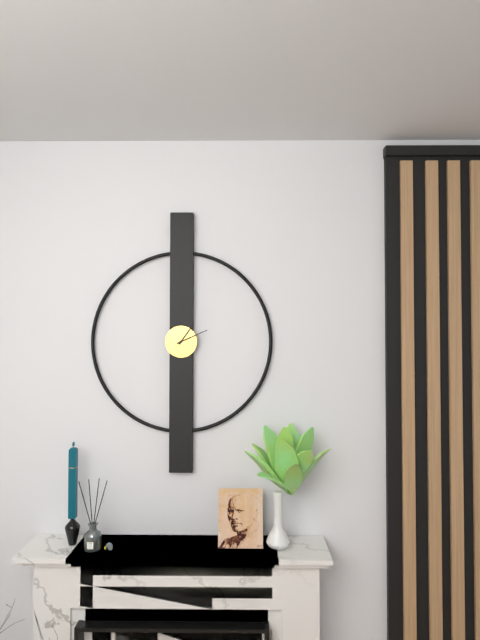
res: 1 h 11 min
